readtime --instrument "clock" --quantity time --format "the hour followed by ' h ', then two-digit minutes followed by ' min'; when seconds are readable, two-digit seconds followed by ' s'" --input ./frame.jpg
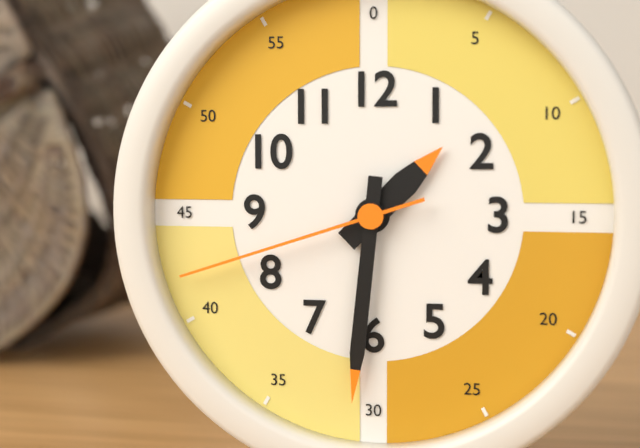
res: 1 h 31 min 42 s
